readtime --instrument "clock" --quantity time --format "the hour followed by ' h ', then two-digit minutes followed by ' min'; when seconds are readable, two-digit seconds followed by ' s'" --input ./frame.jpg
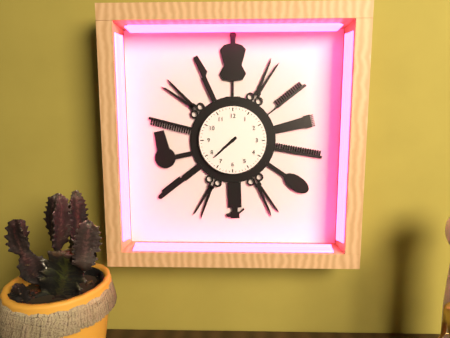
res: 7 h 38 min
